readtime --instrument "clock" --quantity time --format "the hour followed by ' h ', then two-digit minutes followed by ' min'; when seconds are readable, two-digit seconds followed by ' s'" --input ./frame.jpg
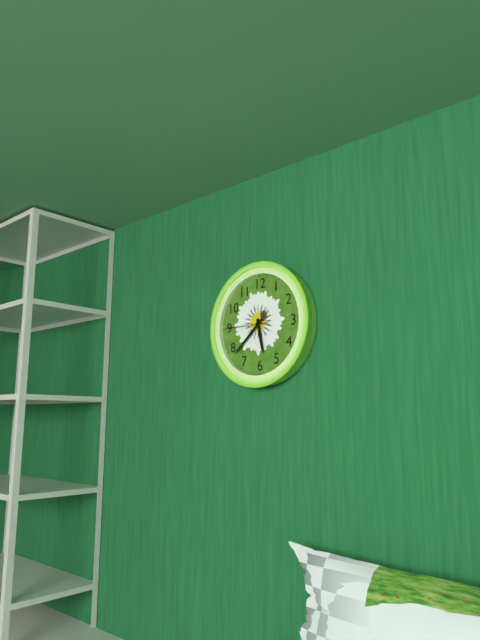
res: 5 h 38 min
